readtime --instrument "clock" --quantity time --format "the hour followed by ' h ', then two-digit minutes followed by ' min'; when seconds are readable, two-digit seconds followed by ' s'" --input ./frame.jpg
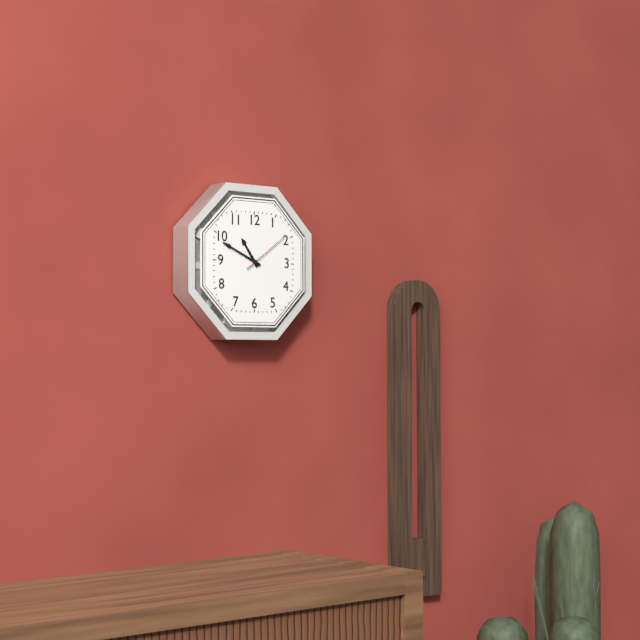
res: 10 h 49 min 09 s
